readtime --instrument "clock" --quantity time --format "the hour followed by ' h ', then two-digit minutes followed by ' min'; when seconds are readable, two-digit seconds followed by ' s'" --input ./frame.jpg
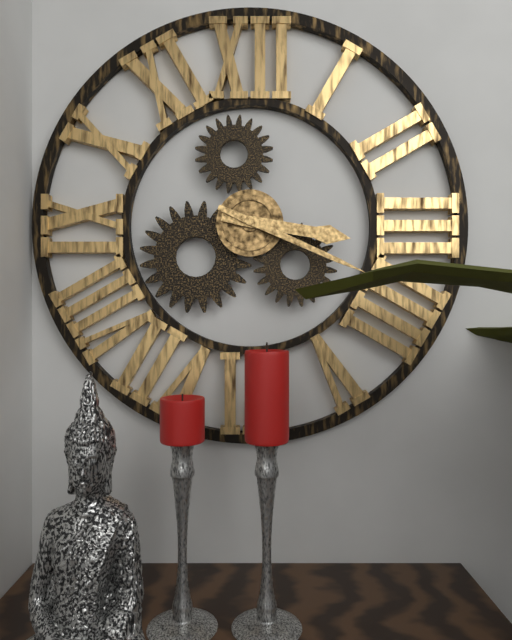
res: 3 h 19 min
